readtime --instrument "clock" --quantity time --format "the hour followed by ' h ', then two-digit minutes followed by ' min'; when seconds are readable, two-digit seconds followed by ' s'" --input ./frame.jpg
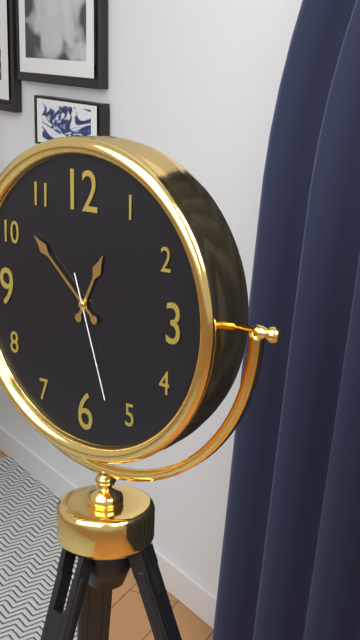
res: 12 h 52 min 27 s
